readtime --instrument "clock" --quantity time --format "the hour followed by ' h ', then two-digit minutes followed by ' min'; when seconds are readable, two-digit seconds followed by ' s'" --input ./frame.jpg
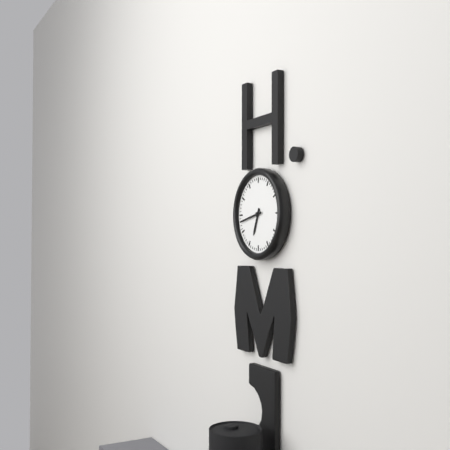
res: 6 h 43 min
